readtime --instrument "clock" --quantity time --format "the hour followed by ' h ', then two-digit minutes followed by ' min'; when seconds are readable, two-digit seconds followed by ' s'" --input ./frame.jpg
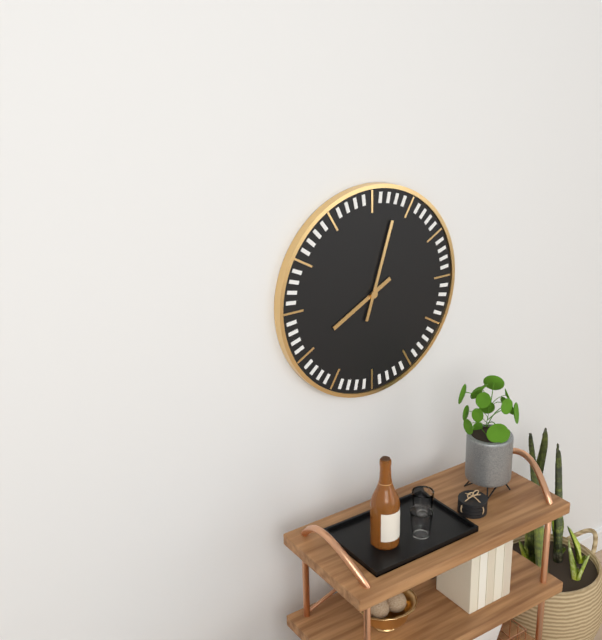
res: 8 h 03 min
